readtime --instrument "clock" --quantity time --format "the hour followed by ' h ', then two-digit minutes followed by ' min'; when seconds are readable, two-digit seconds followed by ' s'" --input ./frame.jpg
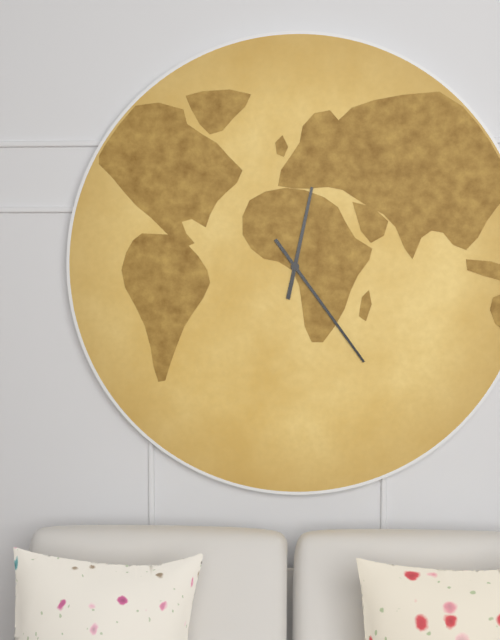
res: 12 h 24 min
